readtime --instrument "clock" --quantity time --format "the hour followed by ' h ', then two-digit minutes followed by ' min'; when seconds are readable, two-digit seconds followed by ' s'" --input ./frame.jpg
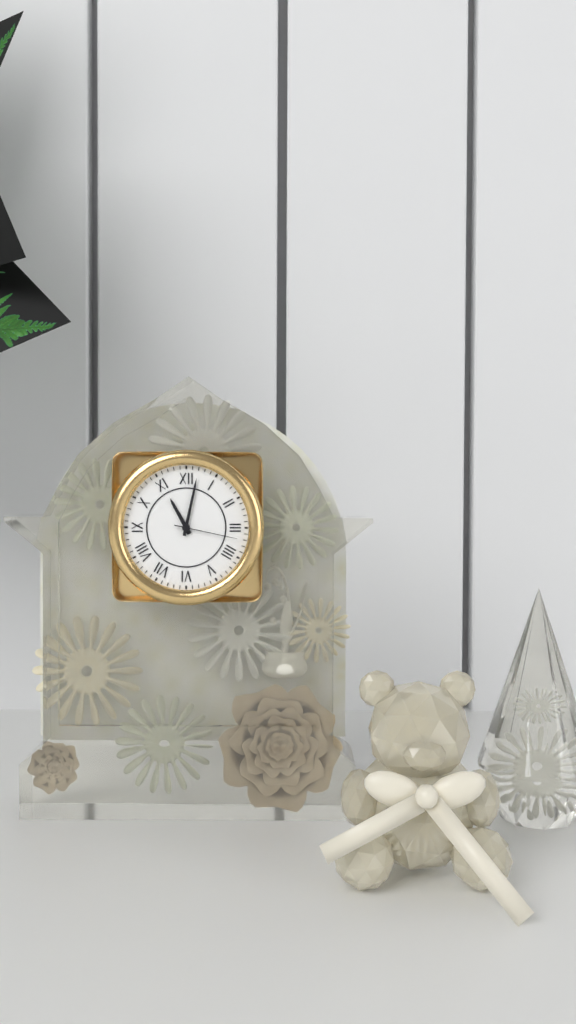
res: 11 h 02 min 17 s
